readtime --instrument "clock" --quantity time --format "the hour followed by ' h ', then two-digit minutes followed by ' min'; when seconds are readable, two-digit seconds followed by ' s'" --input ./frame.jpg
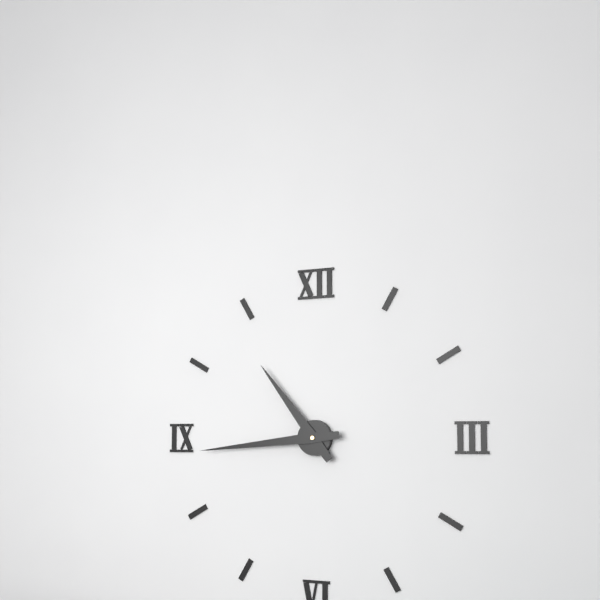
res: 10 h 44 min
